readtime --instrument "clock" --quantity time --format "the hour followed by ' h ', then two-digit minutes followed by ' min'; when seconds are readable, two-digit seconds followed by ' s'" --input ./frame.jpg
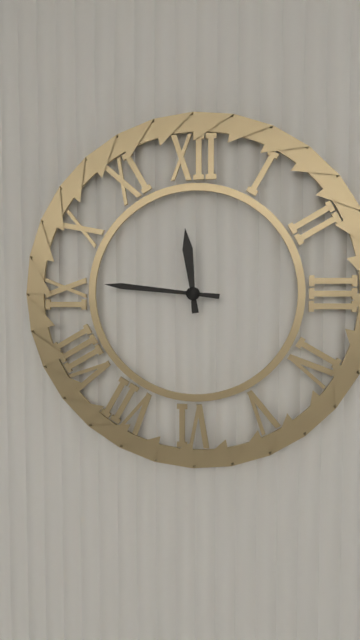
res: 11 h 46 min
